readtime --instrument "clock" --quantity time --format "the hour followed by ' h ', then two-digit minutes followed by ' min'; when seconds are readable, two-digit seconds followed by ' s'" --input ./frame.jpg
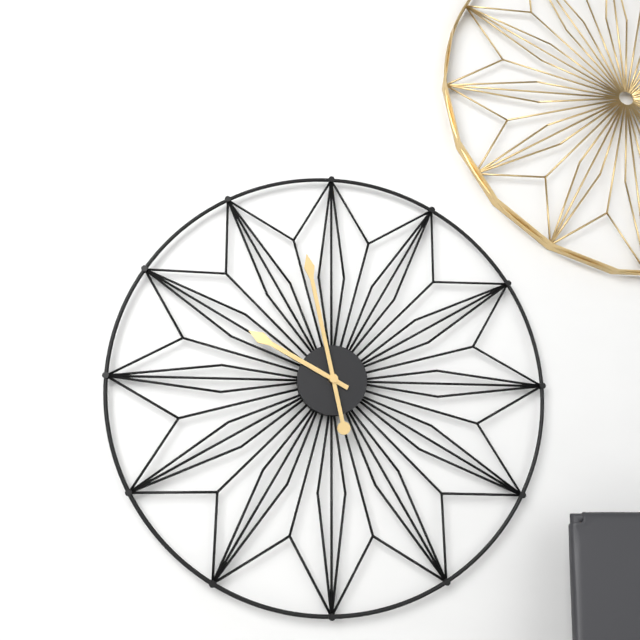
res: 9 h 58 min
